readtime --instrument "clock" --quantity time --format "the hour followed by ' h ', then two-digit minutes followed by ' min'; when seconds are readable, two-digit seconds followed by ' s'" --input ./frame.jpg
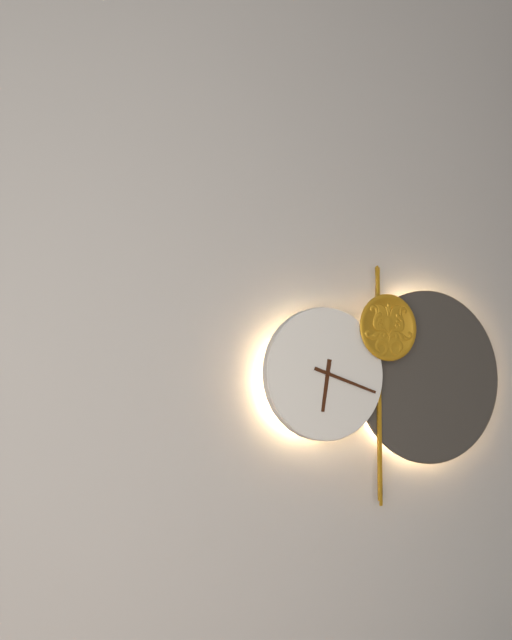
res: 6 h 18 min
